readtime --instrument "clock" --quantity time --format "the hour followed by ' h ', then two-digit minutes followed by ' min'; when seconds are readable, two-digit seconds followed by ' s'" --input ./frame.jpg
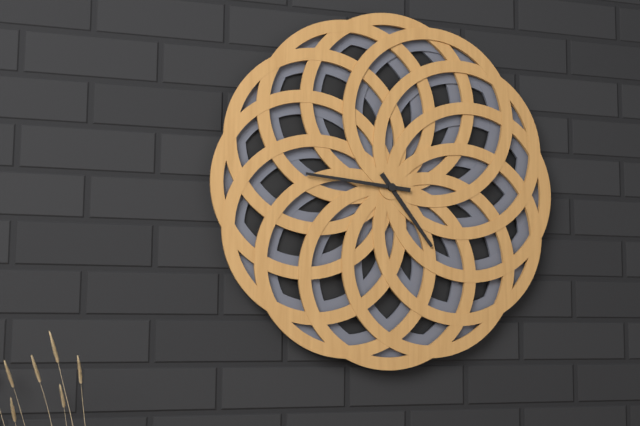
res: 4 h 46 min
